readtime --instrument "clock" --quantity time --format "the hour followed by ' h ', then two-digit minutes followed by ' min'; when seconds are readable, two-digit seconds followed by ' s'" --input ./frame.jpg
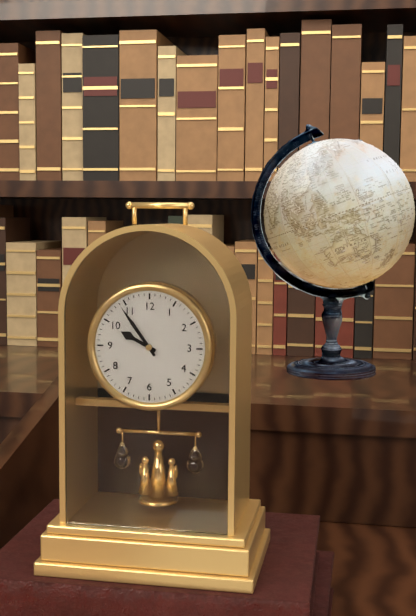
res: 9 h 54 min
